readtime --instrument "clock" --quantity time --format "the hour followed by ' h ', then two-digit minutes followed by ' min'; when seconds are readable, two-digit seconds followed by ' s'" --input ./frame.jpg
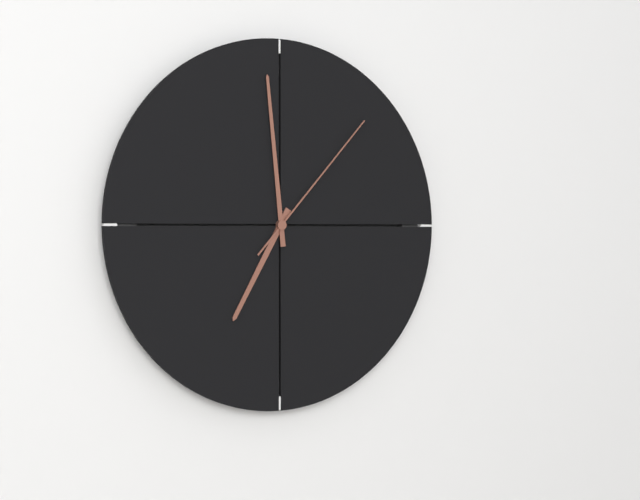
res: 6 h 59 min 07 s
